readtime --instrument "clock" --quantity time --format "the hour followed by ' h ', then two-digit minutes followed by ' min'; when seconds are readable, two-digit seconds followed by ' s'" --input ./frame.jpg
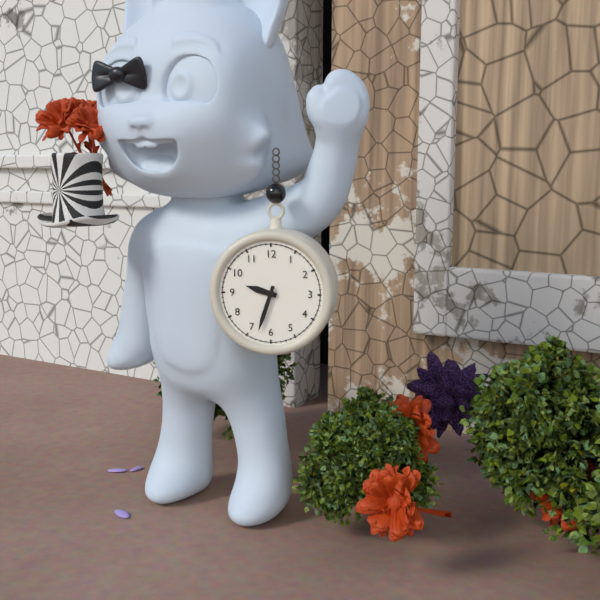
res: 9 h 33 min
